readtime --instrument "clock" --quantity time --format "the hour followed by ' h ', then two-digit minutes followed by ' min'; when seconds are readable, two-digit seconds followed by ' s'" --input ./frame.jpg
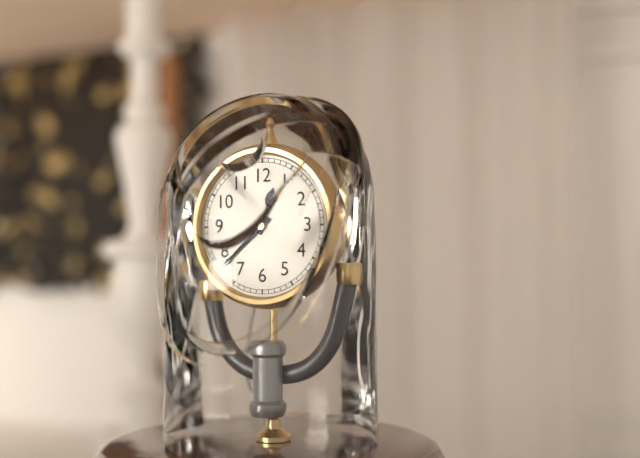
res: 12 h 38 min
